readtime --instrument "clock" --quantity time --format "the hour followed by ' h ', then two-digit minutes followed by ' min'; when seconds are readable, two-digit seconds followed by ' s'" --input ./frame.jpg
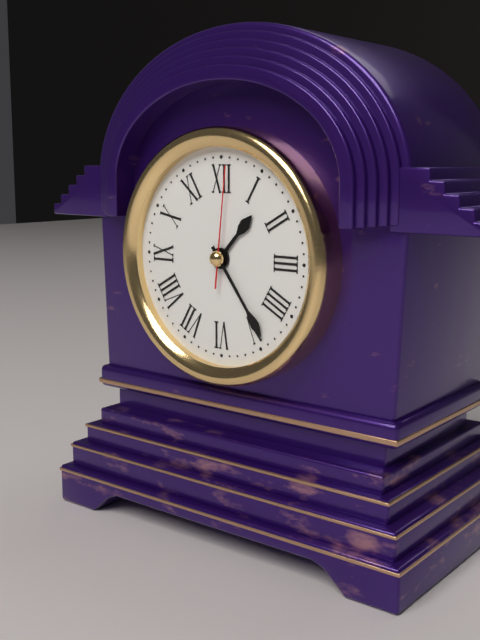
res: 1 h 24 min 01 s
